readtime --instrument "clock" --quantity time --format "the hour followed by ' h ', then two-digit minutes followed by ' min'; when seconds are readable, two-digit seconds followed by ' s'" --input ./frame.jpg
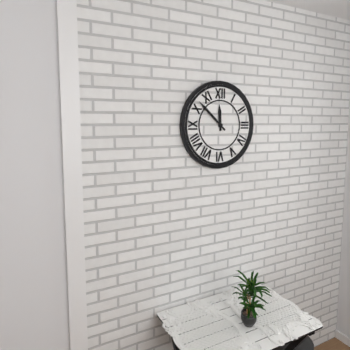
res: 11 h 52 min
